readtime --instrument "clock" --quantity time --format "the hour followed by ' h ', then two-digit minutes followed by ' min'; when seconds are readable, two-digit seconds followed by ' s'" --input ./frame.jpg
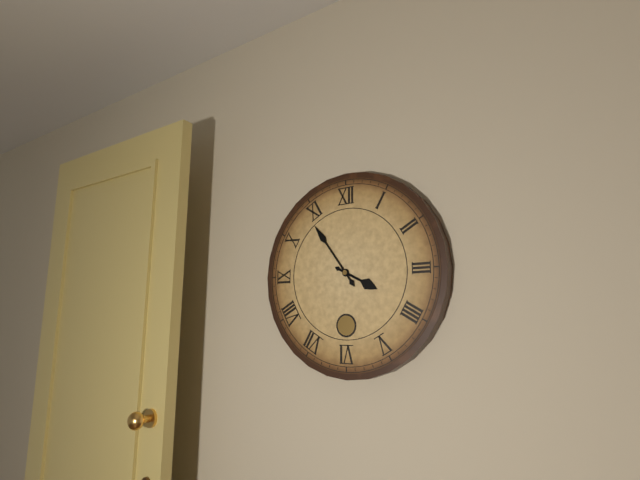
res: 3 h 54 min
